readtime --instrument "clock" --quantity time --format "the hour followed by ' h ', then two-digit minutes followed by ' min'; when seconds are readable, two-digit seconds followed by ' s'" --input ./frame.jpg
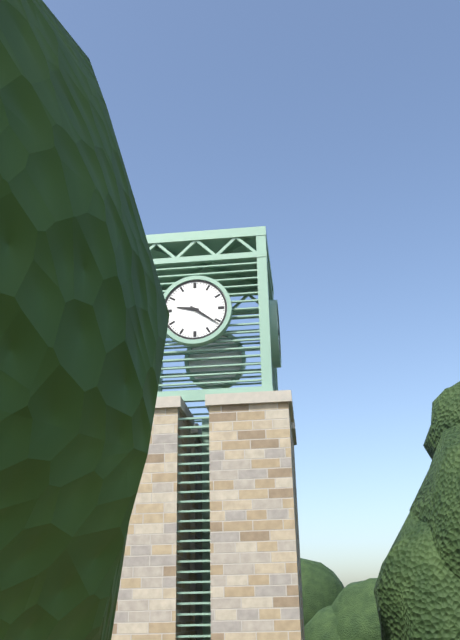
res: 9 h 21 min
